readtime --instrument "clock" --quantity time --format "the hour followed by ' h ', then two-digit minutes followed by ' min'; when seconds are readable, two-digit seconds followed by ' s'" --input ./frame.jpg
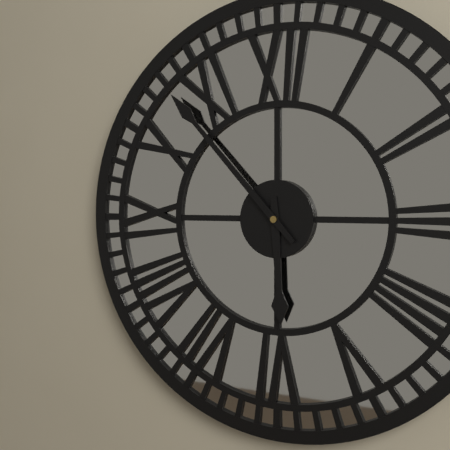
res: 5 h 53 min
